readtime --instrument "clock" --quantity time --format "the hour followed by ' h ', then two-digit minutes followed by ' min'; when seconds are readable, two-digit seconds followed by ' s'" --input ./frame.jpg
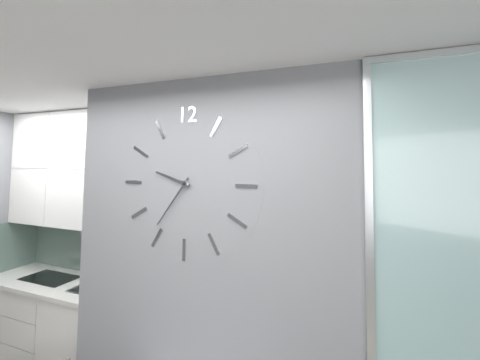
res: 9 h 36 min
